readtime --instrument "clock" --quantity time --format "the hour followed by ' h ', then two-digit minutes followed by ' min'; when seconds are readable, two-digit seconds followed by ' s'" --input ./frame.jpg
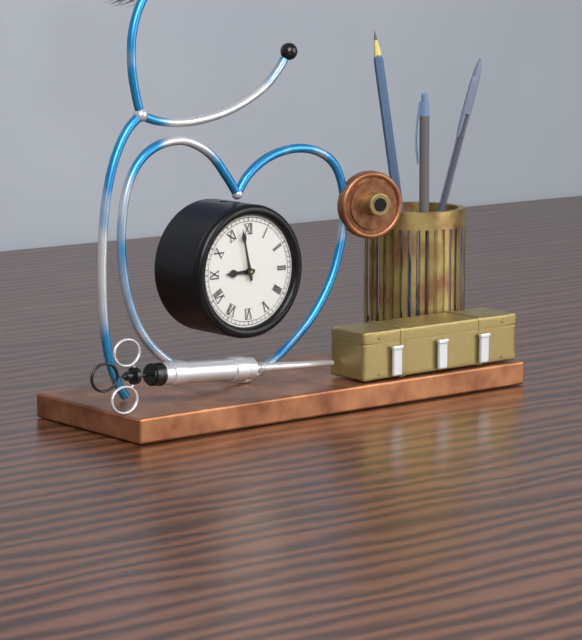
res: 8 h 58 min
